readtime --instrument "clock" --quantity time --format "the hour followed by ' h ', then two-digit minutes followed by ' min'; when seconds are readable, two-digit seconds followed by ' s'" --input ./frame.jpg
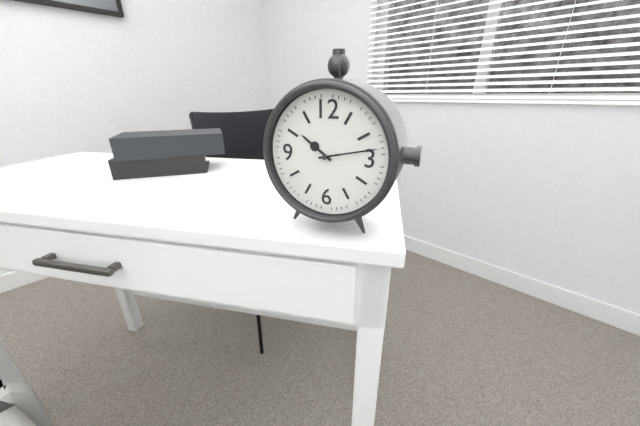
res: 10 h 13 min
